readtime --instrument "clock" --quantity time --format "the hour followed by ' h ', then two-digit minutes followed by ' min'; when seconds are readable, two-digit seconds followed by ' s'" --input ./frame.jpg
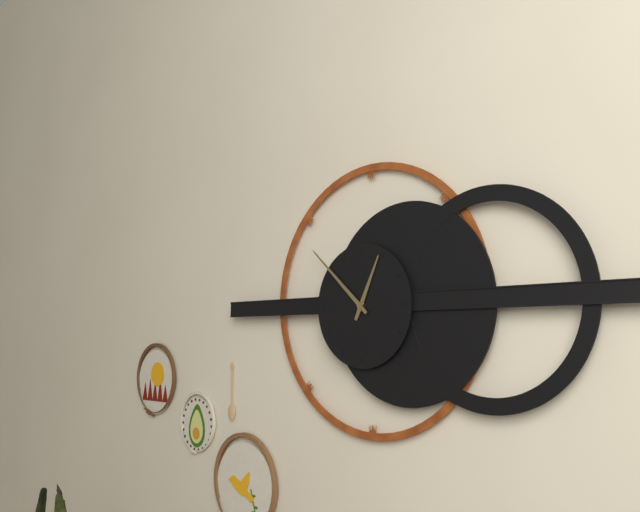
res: 12 h 52 min
